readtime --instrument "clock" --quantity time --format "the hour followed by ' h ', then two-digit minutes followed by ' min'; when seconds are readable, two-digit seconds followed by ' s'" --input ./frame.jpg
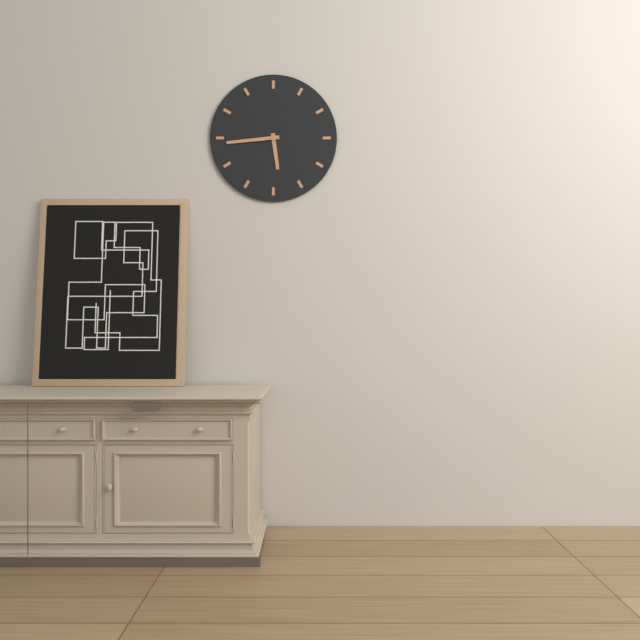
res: 5 h 44 min
